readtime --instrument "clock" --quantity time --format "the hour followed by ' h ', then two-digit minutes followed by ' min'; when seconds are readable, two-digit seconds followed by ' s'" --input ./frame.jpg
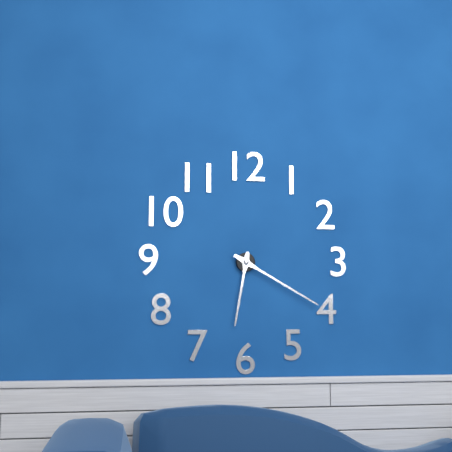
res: 6 h 20 min
